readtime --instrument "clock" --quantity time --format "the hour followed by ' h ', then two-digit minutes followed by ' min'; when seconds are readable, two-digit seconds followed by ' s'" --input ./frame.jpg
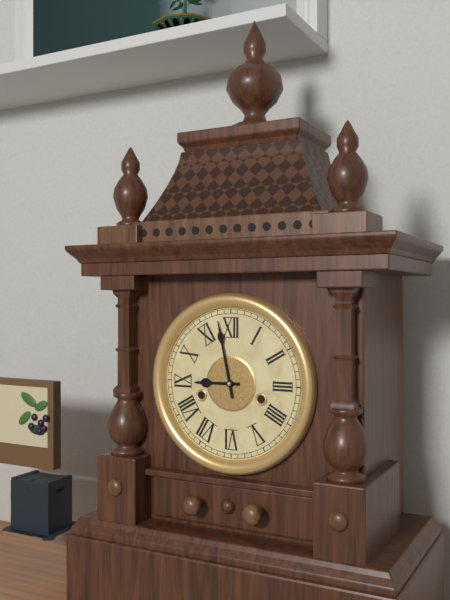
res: 8 h 58 min
